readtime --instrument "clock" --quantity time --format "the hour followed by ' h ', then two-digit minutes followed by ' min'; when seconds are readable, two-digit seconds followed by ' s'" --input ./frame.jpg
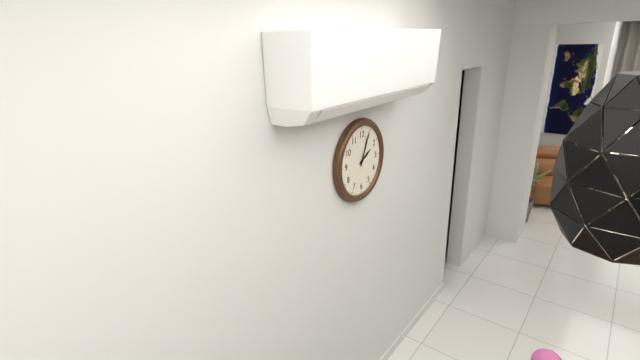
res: 2 h 04 min
